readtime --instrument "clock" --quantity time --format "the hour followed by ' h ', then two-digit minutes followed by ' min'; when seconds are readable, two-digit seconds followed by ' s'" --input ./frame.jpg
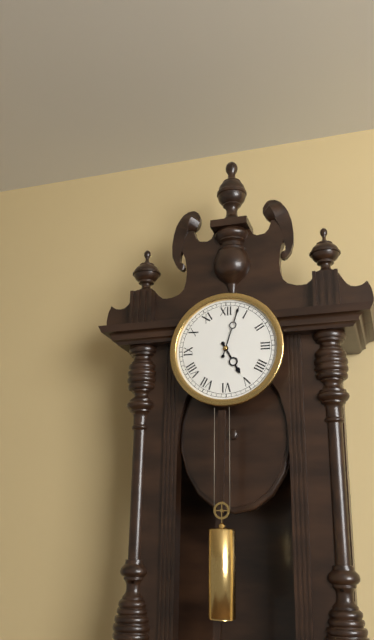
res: 5 h 03 min
